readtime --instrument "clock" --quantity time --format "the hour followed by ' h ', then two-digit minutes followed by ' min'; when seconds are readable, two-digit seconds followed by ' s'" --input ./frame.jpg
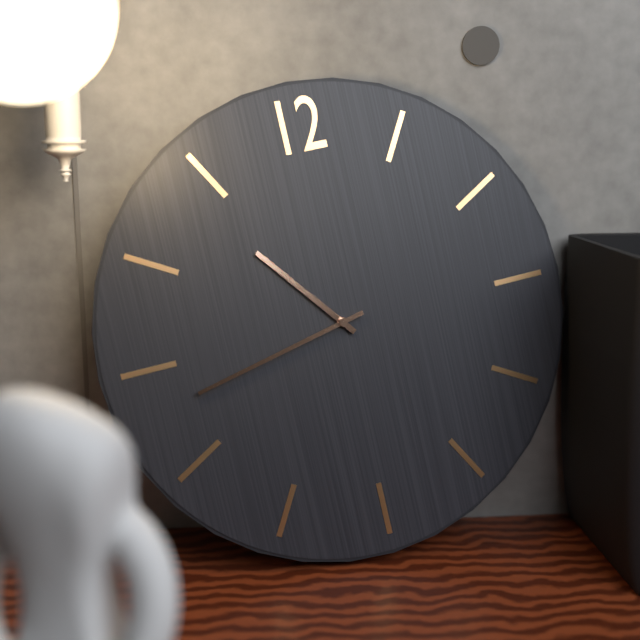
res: 10 h 43 min
